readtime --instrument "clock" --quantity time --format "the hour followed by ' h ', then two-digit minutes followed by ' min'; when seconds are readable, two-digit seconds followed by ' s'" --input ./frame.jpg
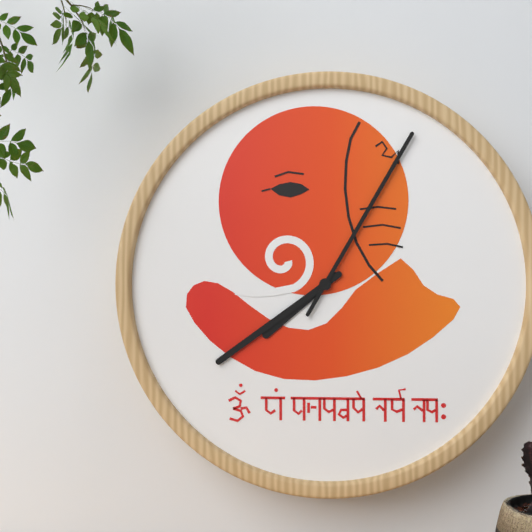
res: 7 h 39 min 05 s
